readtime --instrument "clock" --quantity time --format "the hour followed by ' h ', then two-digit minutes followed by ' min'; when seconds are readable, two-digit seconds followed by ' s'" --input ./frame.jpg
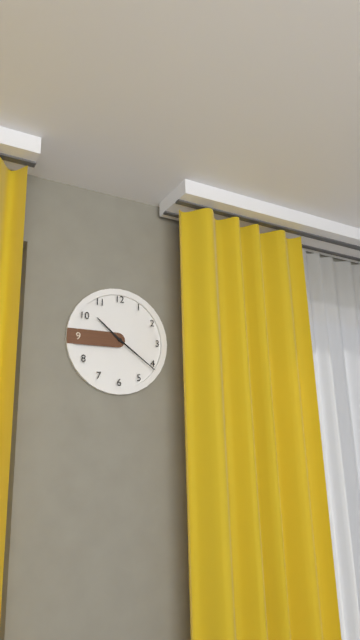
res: 10 h 21 min
